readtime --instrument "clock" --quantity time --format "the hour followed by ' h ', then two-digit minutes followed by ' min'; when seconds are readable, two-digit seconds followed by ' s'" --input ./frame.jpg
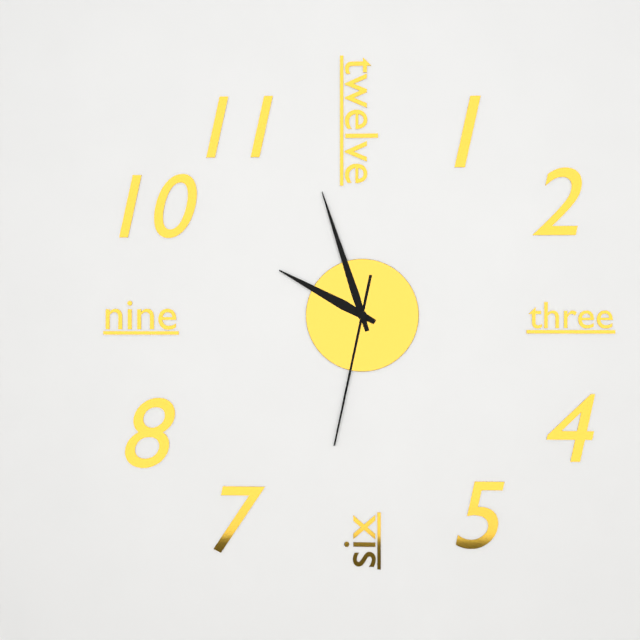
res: 9 h 57 min 32 s
